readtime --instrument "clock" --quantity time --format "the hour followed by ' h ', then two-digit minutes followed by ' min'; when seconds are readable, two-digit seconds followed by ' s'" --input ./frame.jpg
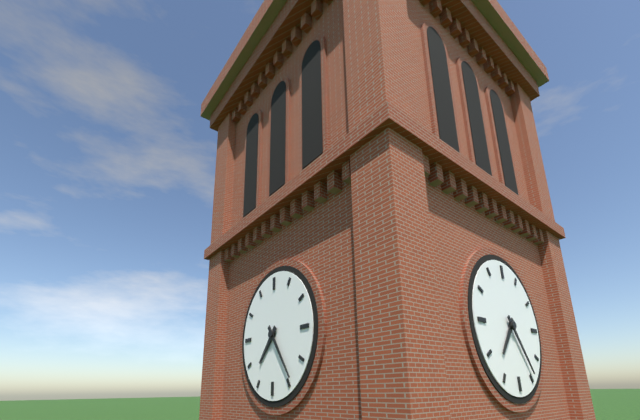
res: 7 h 24 min
